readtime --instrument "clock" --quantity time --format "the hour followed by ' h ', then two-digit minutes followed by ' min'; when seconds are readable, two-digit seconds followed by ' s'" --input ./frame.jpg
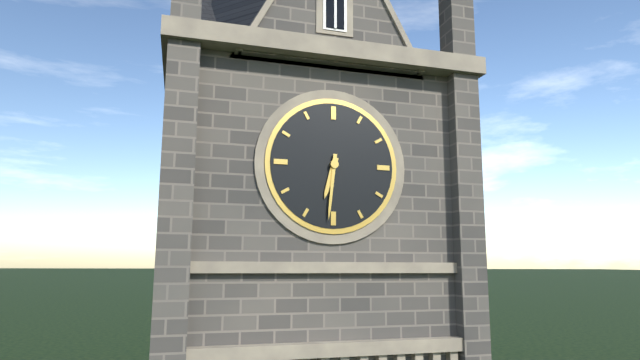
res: 6 h 31 min
